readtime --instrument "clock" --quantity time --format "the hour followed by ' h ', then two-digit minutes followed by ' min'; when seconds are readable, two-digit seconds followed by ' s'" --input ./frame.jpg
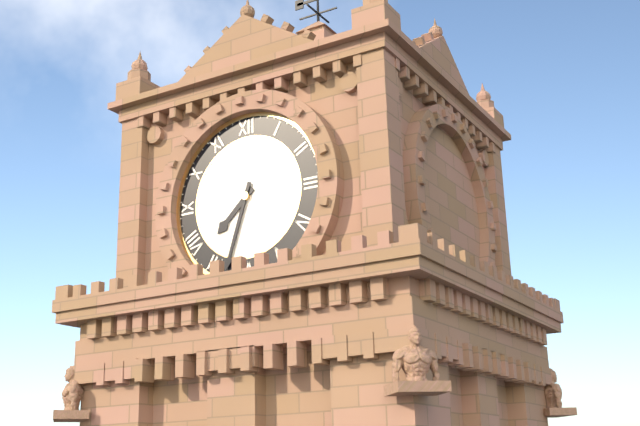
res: 7 h 33 min
